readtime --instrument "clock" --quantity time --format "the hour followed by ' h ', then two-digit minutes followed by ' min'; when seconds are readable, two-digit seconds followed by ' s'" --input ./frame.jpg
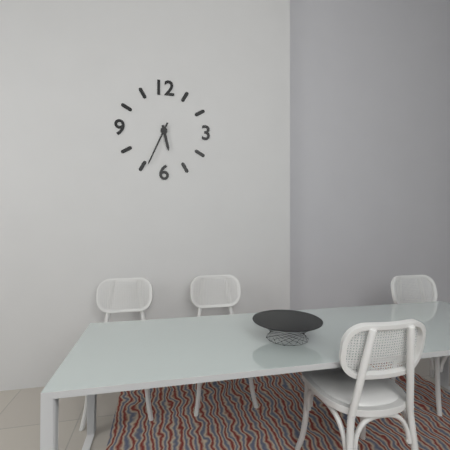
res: 5 h 34 min
